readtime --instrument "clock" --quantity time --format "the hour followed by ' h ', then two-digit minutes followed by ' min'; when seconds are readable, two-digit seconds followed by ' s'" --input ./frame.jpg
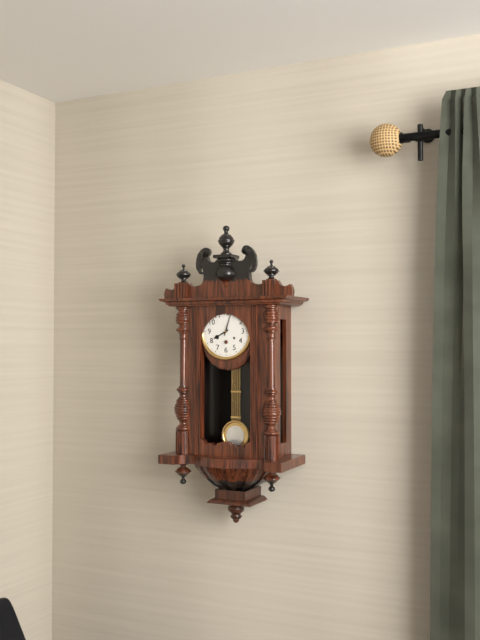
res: 8 h 03 min
